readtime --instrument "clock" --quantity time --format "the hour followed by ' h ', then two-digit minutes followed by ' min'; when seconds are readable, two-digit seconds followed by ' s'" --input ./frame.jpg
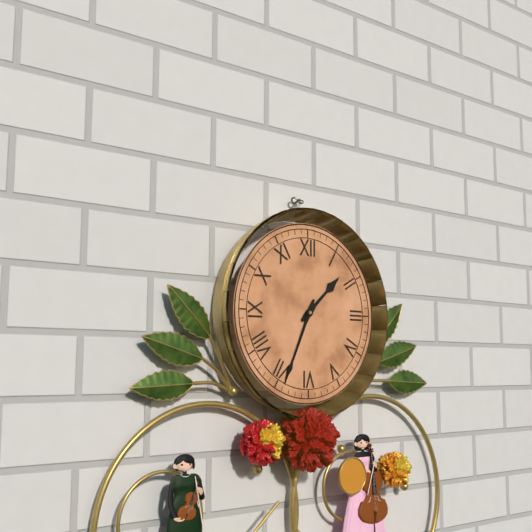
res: 1 h 34 min
